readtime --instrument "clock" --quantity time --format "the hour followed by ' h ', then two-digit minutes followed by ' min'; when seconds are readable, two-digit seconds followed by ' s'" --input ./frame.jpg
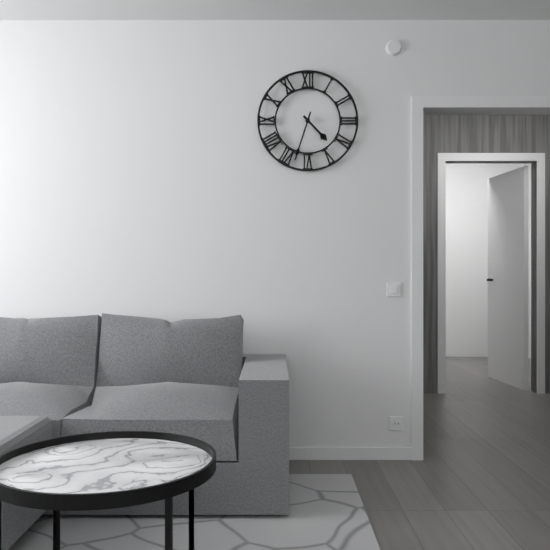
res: 4 h 33 min
